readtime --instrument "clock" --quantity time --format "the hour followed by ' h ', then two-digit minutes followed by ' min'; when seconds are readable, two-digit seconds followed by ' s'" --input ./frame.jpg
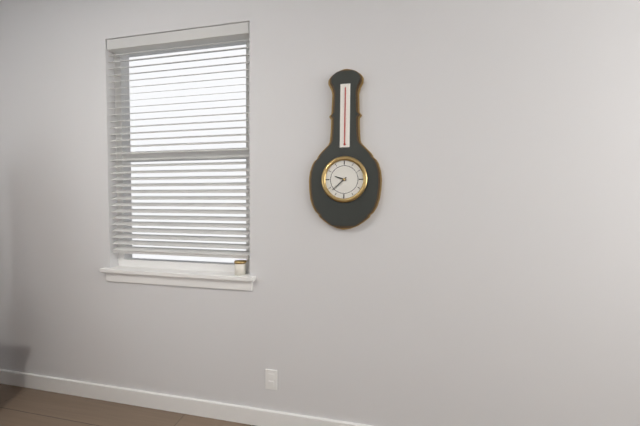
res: 9 h 38 min
